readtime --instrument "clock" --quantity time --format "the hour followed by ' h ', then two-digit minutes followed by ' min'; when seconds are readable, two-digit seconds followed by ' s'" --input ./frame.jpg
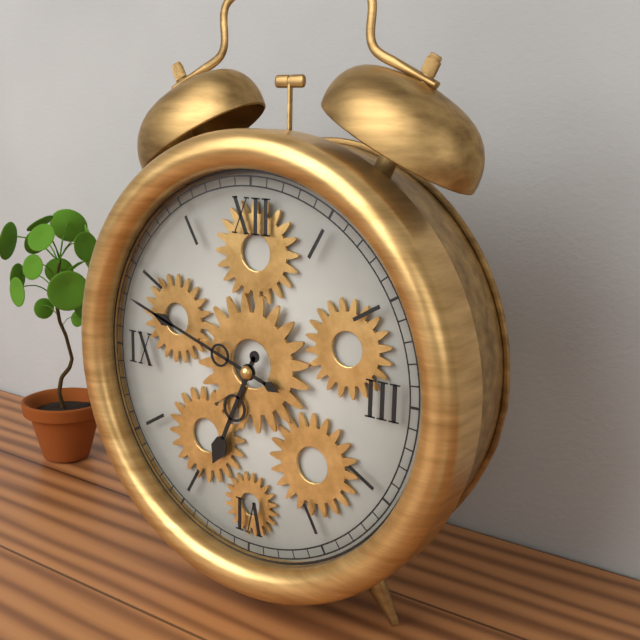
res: 6 h 48 min
